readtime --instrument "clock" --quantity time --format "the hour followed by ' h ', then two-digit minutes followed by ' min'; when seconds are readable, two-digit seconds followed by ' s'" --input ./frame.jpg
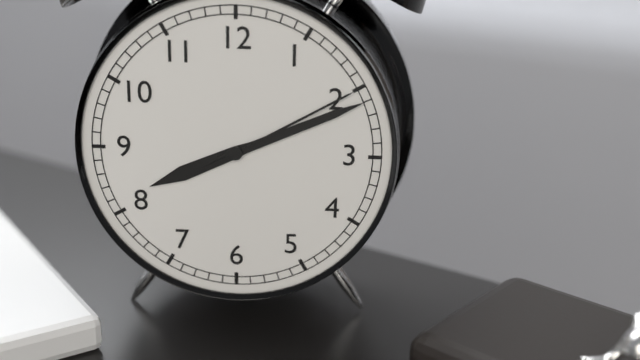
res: 8 h 11 min 10 s
